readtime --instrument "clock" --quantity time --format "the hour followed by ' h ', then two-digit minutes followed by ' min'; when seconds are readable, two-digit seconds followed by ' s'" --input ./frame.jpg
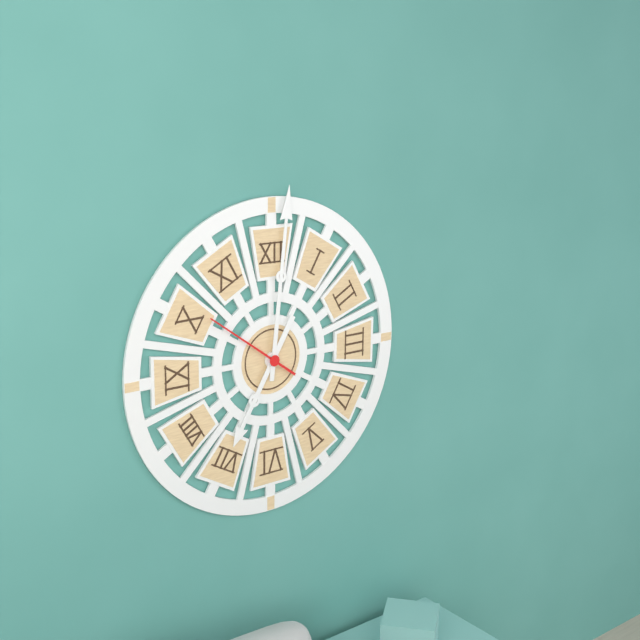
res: 7 h 01 min 51 s
